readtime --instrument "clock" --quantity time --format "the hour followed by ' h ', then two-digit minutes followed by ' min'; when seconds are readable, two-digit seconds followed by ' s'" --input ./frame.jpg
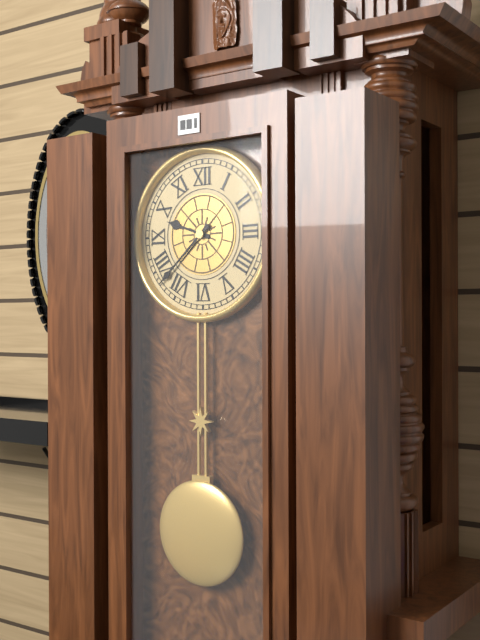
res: 9 h 38 min
